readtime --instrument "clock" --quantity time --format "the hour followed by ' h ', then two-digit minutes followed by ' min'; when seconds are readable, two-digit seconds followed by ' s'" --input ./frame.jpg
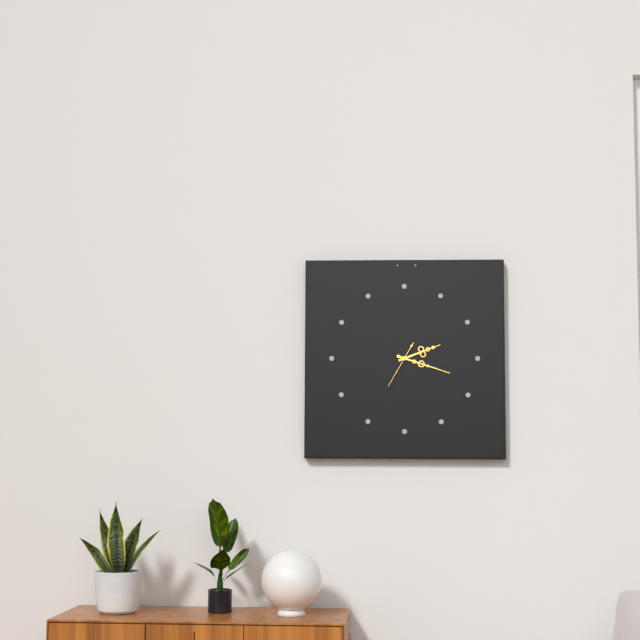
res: 2 h 18 min
